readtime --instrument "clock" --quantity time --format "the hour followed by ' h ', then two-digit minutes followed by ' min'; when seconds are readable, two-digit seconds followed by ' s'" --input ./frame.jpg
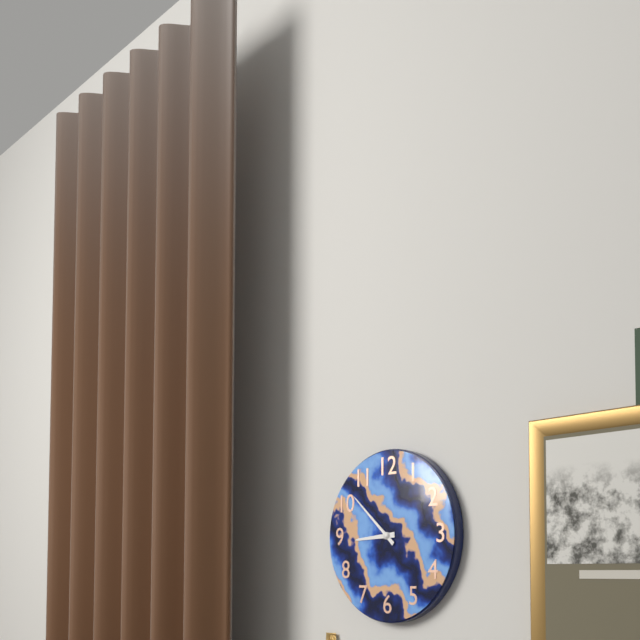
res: 8 h 52 min
